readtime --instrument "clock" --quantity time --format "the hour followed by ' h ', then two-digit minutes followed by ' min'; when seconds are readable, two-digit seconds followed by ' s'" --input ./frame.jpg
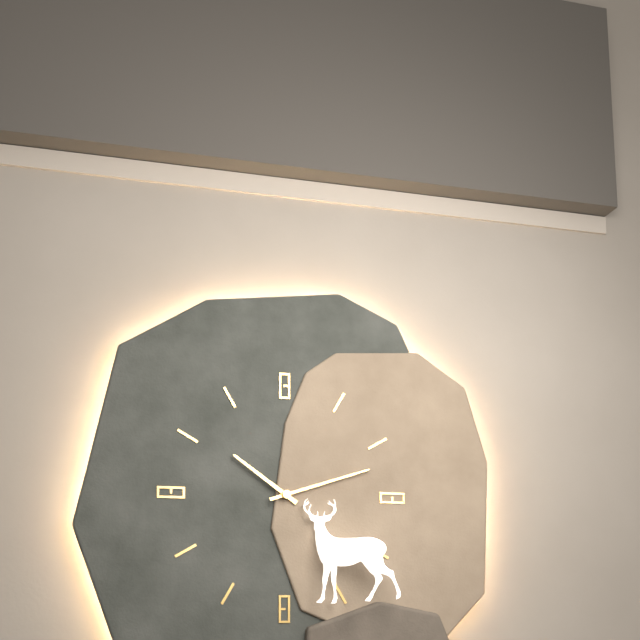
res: 10 h 12 min
